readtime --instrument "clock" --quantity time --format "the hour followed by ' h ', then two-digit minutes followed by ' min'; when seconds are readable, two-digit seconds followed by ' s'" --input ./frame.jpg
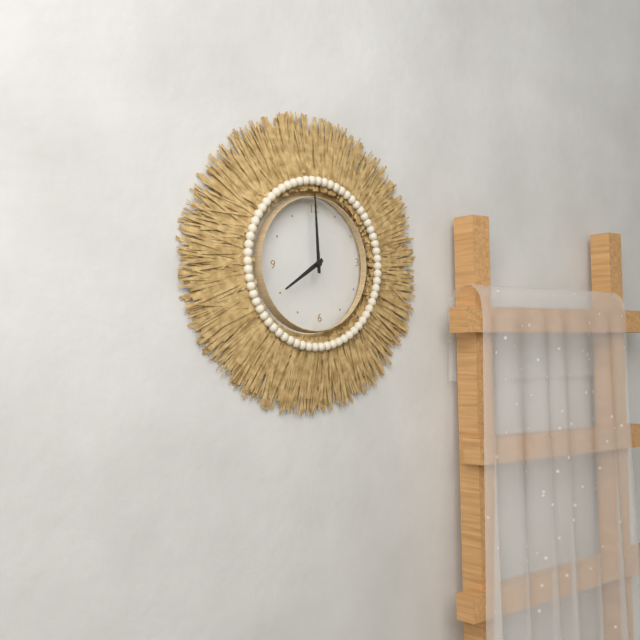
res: 8 h 00 min
